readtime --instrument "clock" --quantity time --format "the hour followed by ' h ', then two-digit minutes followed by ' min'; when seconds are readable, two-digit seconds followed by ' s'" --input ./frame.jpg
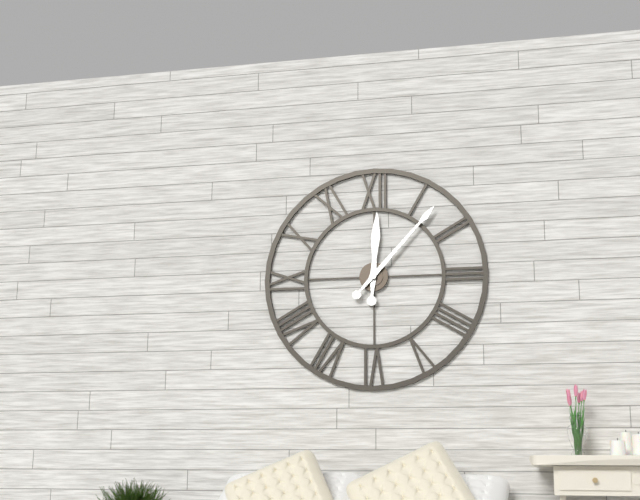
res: 12 h 07 min
